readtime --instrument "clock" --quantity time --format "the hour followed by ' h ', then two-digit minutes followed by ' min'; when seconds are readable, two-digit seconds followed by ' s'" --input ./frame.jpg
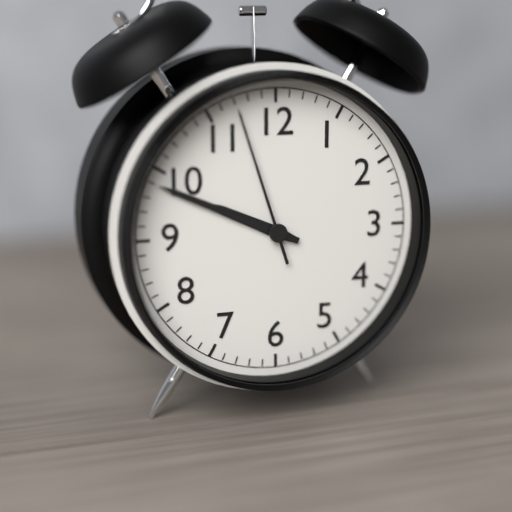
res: 9 h 49 min 57 s
